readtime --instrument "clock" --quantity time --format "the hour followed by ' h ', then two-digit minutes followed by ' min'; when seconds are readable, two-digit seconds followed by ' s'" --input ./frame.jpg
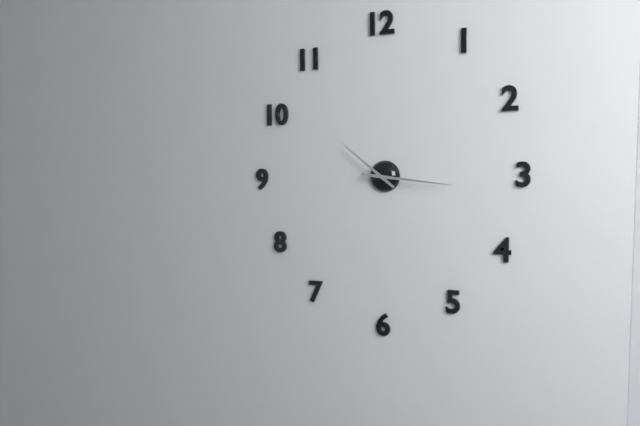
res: 10 h 16 min
